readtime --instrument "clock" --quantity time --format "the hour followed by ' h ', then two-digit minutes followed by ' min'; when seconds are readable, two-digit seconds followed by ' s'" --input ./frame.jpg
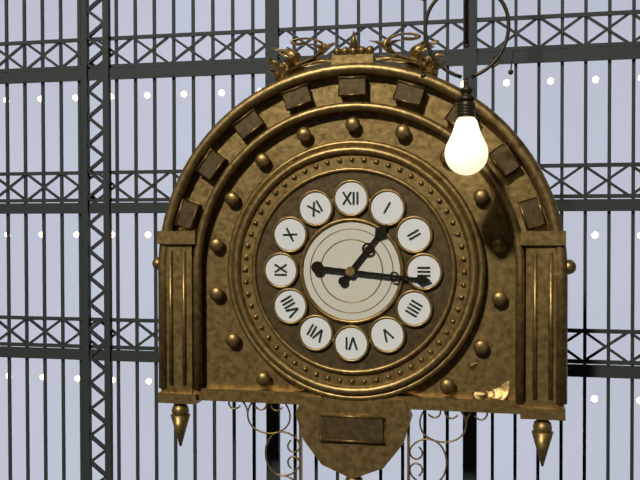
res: 1 h 16 min
